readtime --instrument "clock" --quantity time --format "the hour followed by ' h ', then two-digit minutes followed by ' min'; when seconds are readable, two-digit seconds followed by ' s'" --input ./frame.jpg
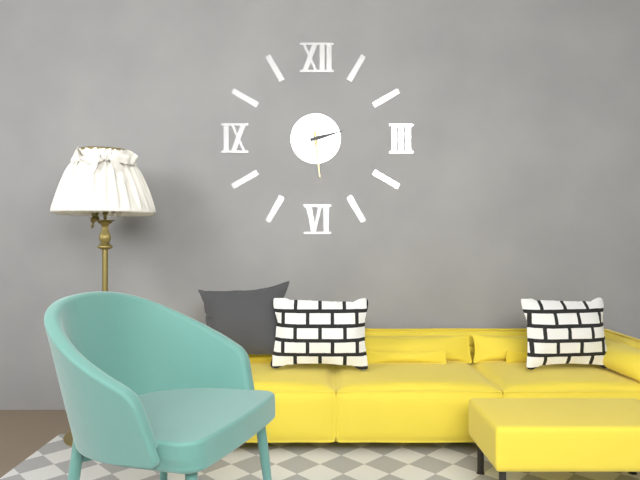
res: 2 h 29 min
